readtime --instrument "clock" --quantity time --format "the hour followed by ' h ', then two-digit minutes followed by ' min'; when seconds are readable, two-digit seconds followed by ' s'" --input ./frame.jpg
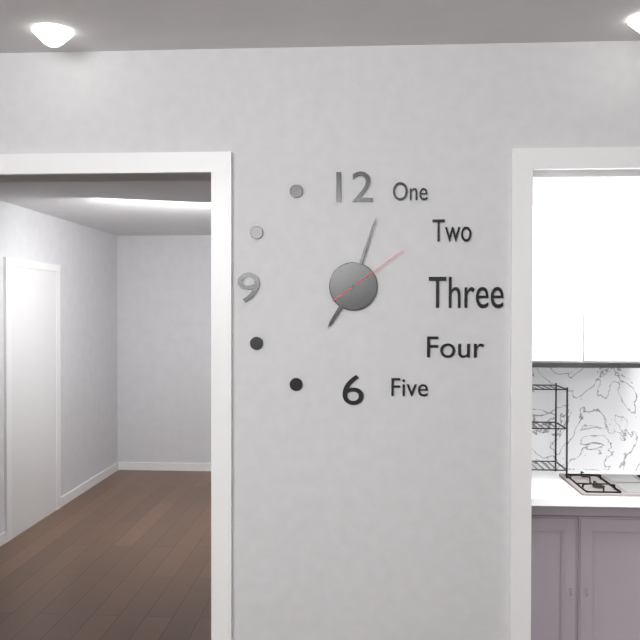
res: 7 h 03 min 09 s
